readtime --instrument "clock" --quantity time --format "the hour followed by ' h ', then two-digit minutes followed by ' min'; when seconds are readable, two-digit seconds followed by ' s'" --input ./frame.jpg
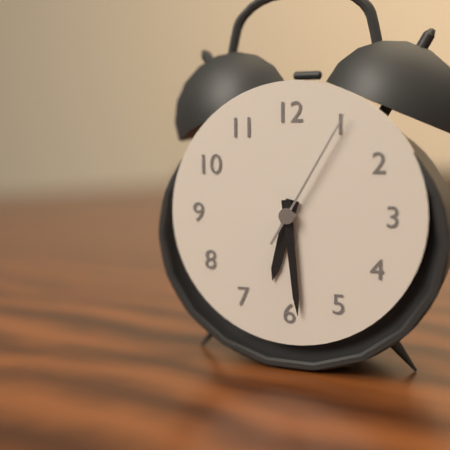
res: 6 h 29 min 05 s
